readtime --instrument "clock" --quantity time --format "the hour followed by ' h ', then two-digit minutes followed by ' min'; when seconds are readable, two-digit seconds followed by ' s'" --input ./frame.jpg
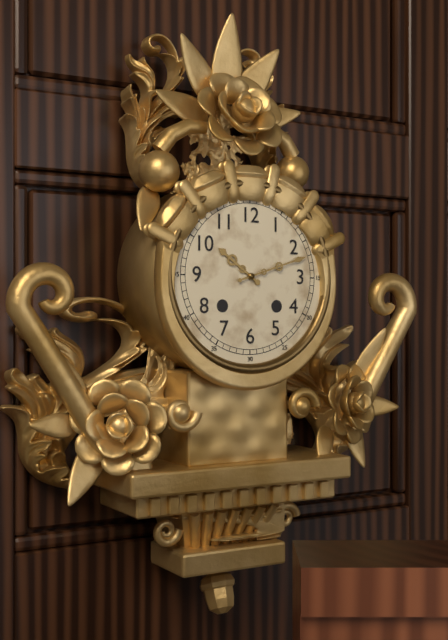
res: 10 h 12 min
